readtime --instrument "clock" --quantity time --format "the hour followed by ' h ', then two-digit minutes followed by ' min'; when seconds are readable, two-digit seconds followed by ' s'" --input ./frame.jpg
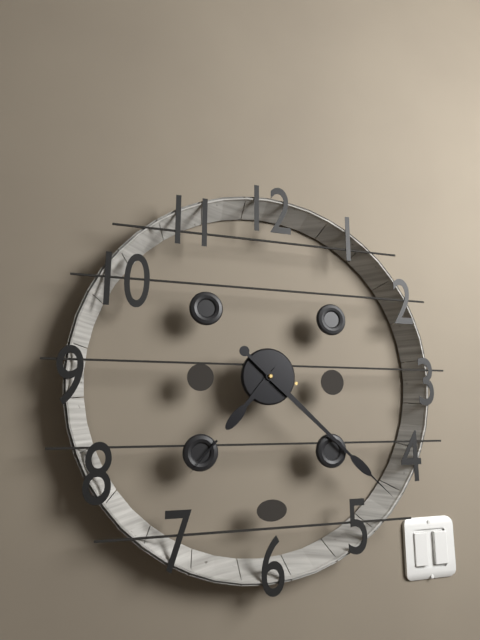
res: 7 h 22 min
